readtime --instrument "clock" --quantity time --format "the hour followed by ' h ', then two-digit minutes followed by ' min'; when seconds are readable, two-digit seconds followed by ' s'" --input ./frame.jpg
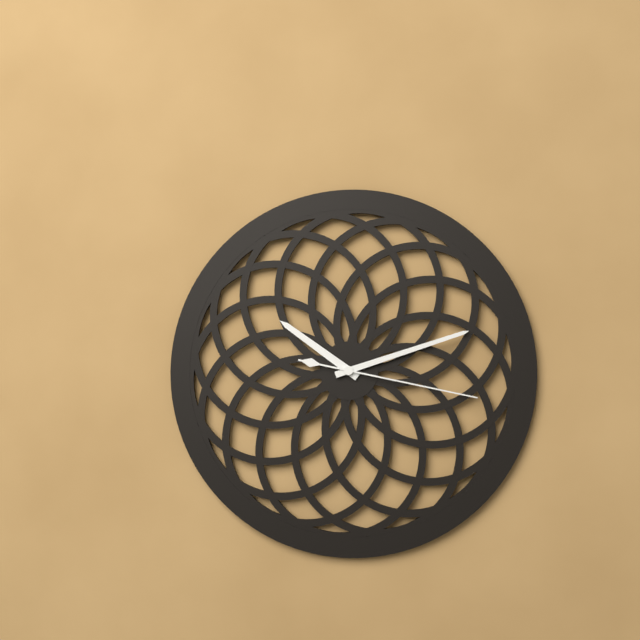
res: 10 h 12 min 17 s
